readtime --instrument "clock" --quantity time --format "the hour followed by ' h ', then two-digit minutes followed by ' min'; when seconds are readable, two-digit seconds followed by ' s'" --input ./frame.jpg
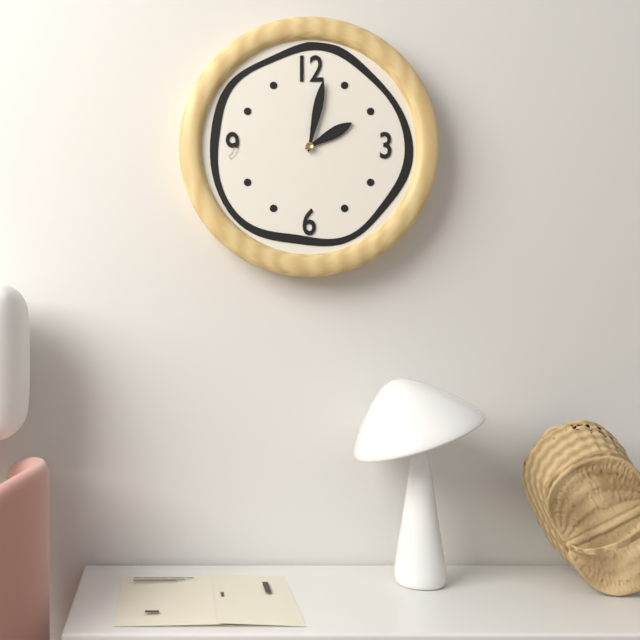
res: 2 h 02 min
